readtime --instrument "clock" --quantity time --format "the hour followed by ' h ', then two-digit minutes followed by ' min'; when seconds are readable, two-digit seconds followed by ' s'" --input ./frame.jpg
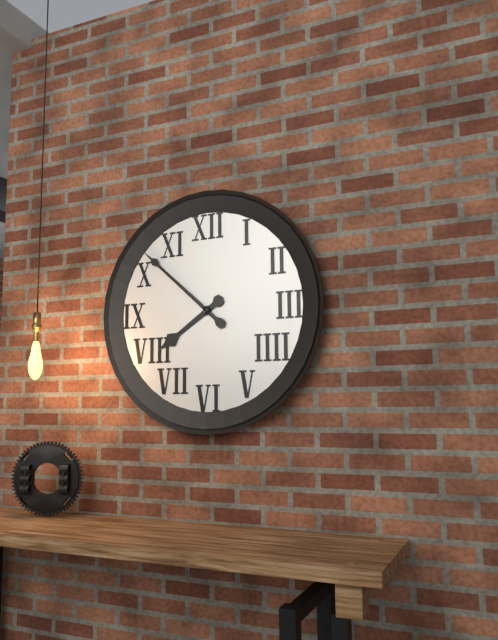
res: 7 h 52 min
